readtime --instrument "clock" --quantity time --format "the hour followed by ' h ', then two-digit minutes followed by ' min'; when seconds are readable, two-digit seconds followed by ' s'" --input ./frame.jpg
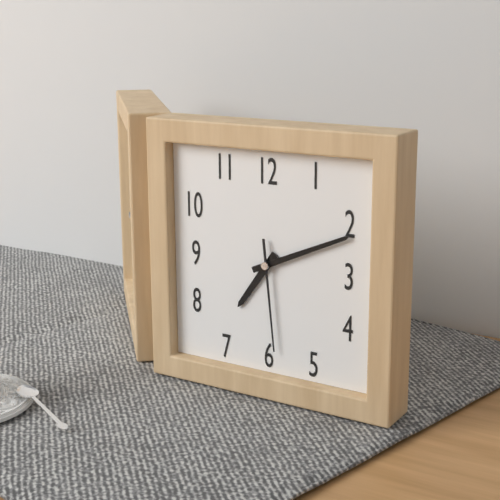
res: 7 h 11 min 29 s
